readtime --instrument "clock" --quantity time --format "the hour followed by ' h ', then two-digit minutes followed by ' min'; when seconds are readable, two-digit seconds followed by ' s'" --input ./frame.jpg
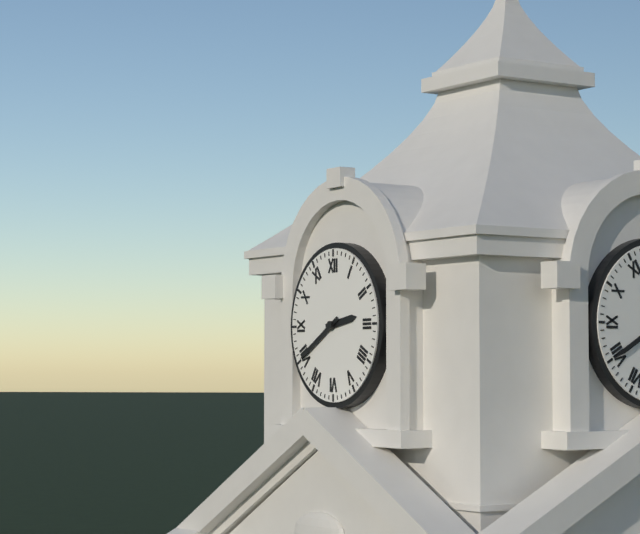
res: 2 h 40 min
